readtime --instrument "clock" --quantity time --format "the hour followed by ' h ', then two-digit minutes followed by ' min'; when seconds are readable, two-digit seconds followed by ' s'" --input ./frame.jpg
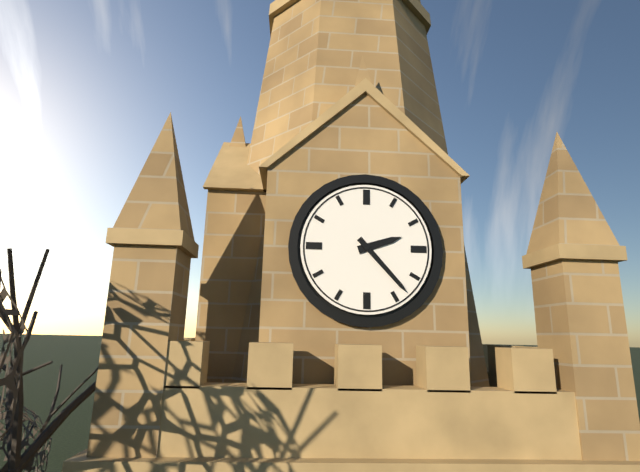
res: 2 h 23 min
